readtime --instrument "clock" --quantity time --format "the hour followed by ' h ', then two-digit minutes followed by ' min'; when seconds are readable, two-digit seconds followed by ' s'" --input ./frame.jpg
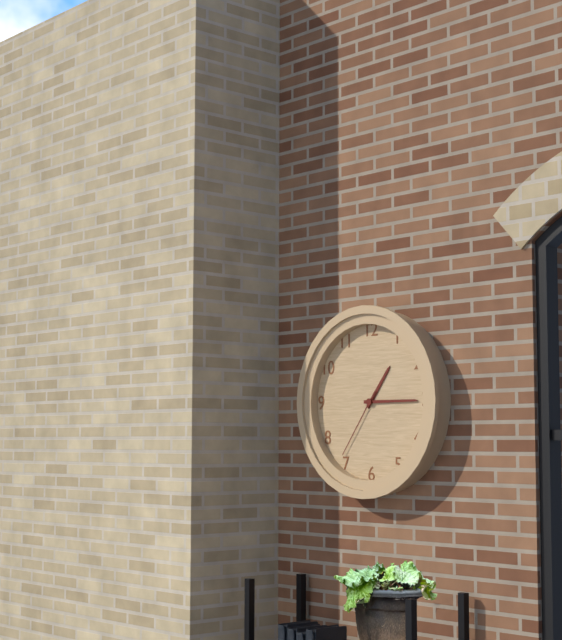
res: 1 h 15 min 36 s
